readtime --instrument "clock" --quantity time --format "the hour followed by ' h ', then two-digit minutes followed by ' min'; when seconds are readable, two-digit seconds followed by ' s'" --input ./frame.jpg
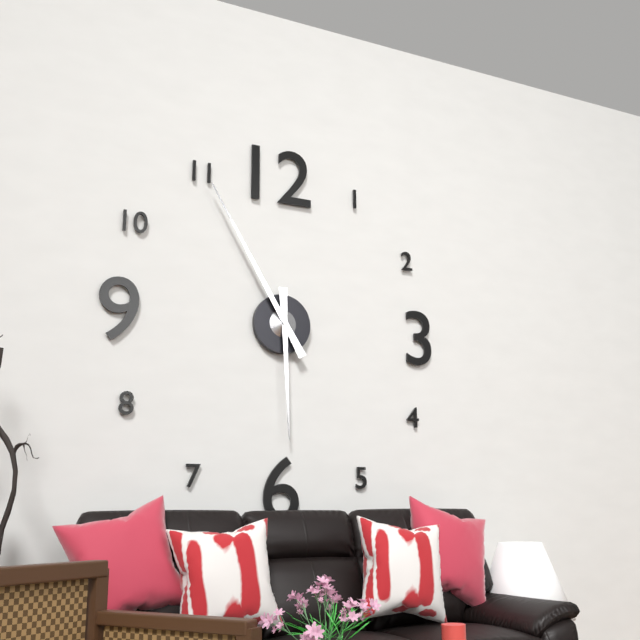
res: 5 h 55 min
